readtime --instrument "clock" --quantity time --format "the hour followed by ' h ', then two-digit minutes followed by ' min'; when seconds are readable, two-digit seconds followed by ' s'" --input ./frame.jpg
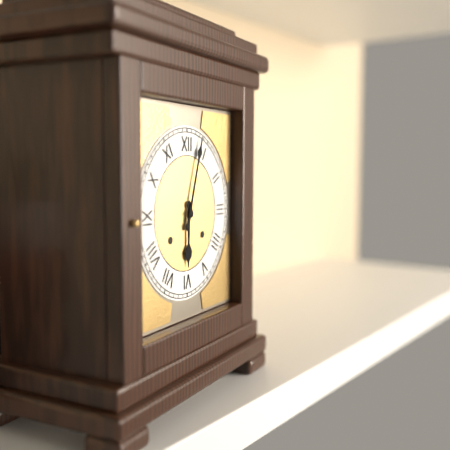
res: 6 h 03 min
